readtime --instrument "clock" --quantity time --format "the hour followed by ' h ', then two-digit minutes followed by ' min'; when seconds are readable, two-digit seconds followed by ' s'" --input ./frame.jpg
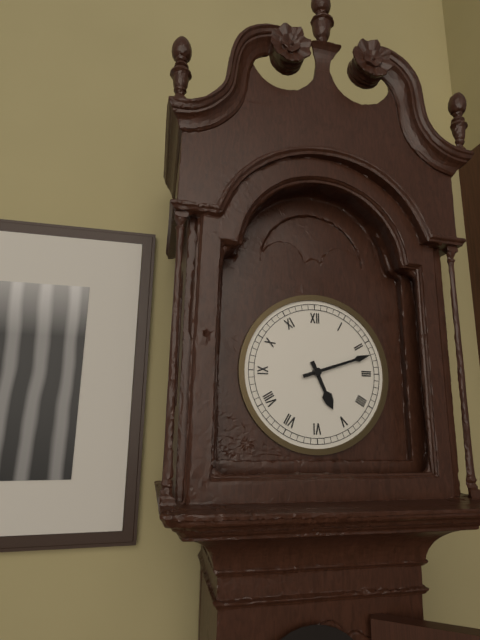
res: 5 h 12 min
